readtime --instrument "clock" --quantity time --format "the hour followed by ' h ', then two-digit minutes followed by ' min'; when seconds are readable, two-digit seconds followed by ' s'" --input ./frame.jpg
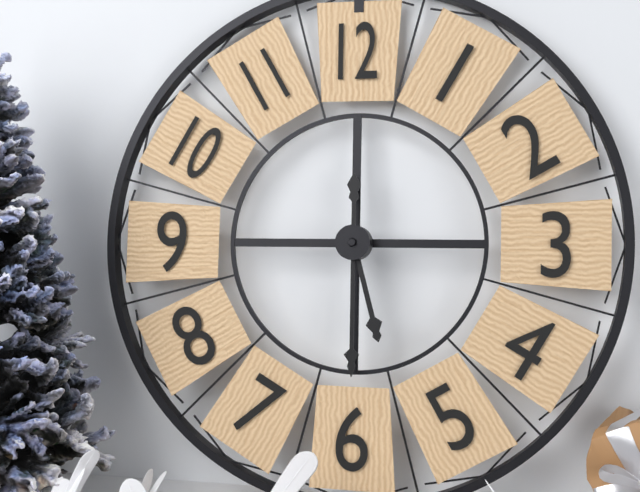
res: 5 h 30 min
